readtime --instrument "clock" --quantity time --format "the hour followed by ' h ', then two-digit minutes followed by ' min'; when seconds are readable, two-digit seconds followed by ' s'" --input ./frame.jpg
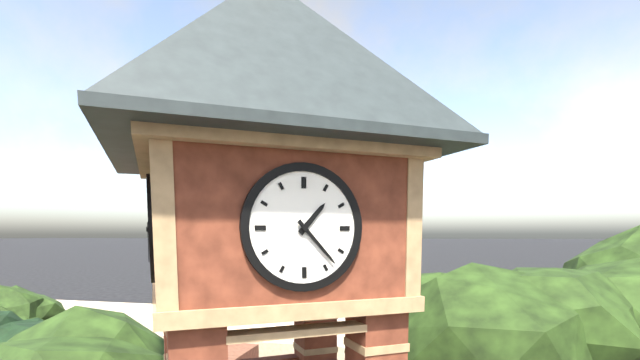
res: 1 h 23 min
